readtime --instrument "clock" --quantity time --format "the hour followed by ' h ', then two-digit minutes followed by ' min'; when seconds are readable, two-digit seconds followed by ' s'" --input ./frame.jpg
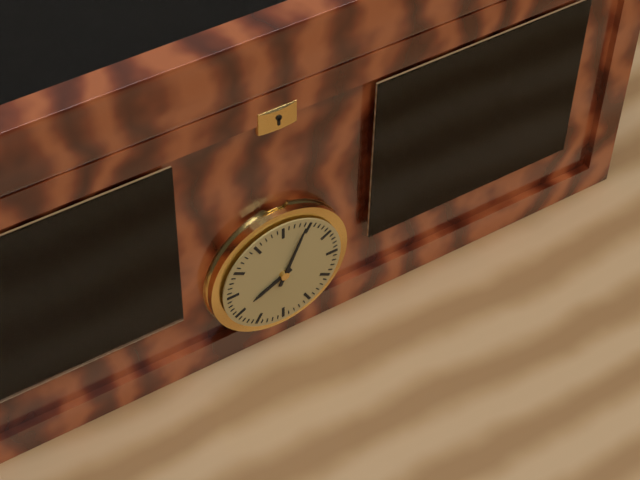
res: 8 h 04 min
